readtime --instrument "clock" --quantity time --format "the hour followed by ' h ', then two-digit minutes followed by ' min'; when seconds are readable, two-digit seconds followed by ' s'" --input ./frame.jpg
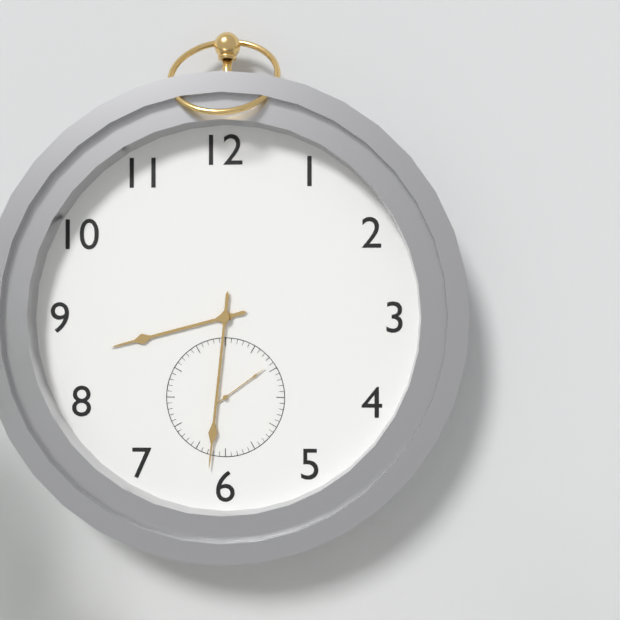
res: 8 h 31 min 09 s
